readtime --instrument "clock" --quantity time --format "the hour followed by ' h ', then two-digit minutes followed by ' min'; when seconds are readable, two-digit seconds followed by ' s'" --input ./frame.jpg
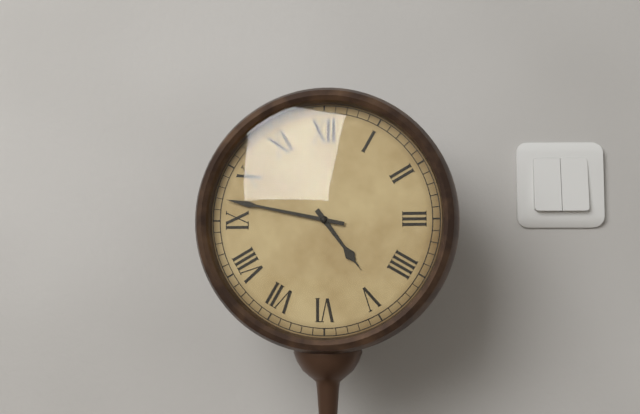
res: 4 h 47 min
